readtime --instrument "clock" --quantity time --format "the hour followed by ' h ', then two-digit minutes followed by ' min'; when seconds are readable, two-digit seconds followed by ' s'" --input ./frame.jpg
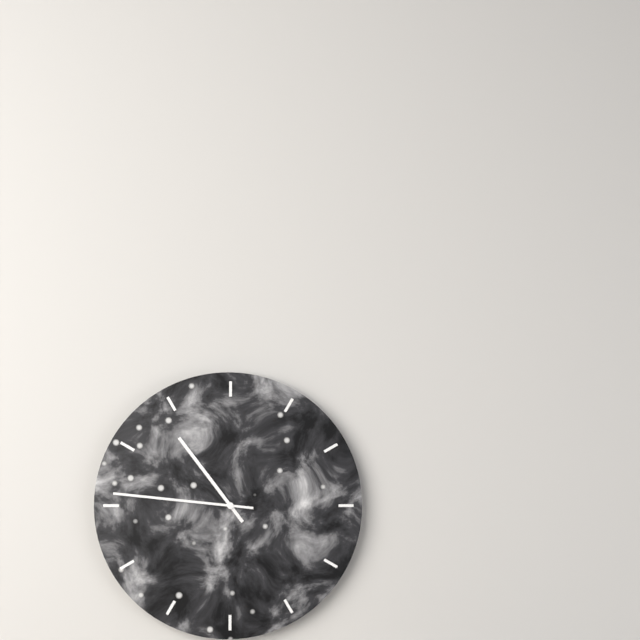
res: 10 h 46 min
